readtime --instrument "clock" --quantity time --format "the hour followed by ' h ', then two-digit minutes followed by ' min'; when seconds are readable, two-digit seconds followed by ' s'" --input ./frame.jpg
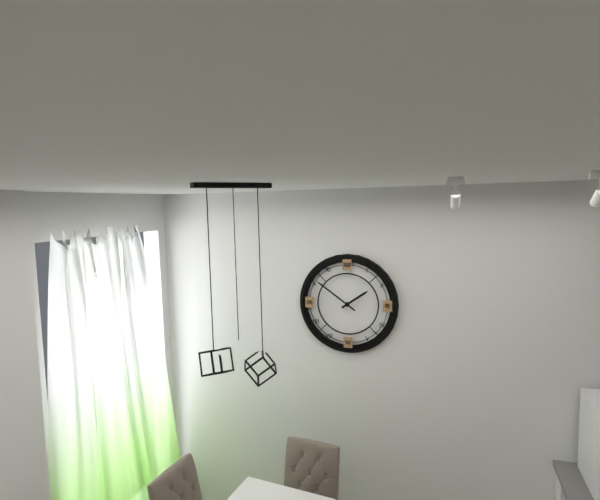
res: 1 h 51 min
